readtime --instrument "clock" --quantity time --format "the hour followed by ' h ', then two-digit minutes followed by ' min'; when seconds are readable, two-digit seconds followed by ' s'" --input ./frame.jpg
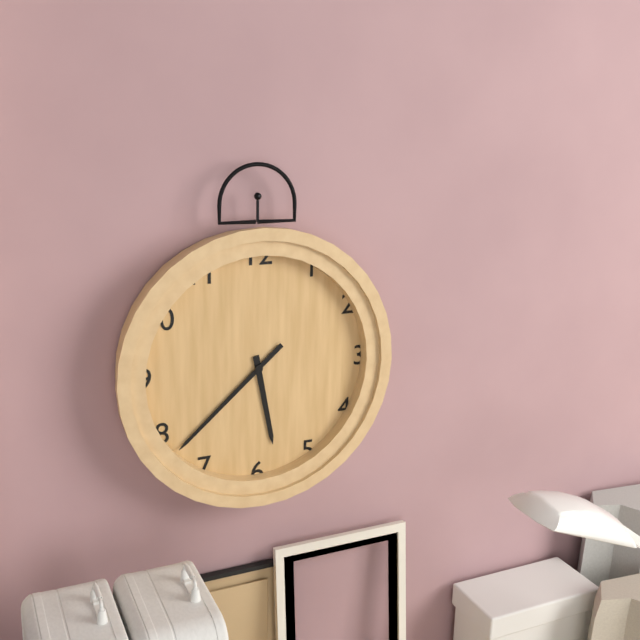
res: 5 h 38 min
